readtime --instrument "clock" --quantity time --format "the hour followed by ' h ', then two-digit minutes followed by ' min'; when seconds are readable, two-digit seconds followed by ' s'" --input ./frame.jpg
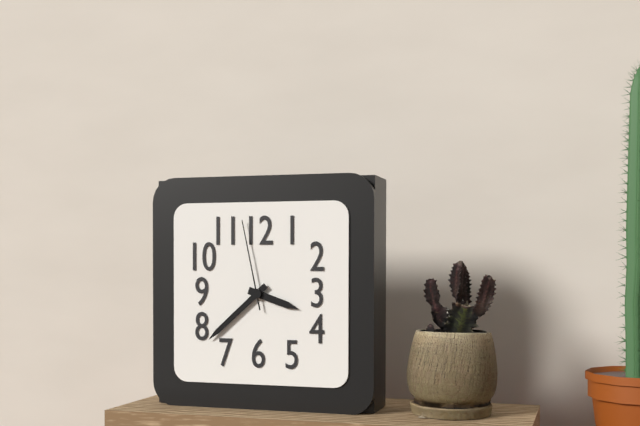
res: 3 h 38 min 58 s
